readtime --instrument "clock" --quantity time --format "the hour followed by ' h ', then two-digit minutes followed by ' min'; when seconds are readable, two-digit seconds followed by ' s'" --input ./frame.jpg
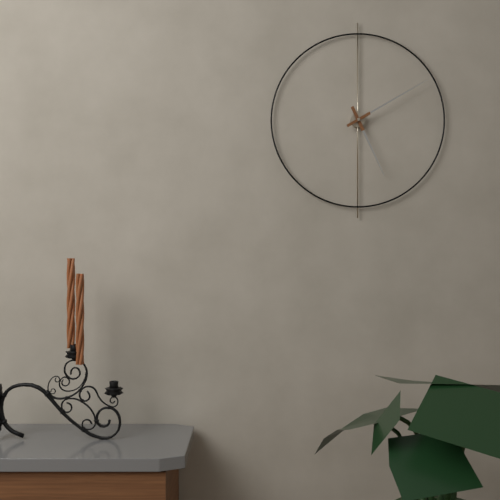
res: 5 h 10 min
